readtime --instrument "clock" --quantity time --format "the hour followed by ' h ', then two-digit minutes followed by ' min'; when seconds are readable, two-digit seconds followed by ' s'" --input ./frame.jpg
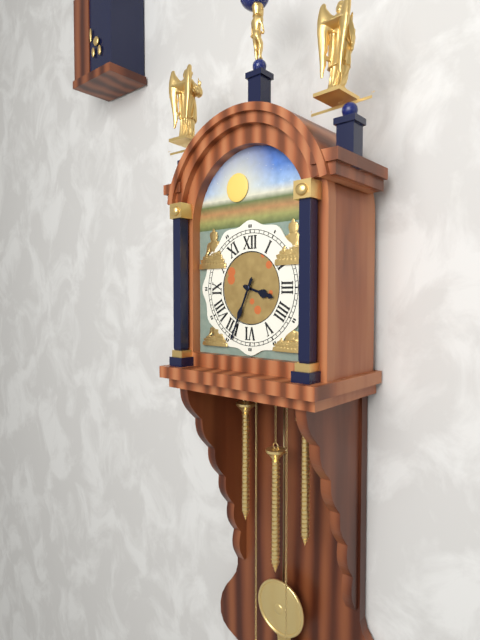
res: 3 h 34 min
